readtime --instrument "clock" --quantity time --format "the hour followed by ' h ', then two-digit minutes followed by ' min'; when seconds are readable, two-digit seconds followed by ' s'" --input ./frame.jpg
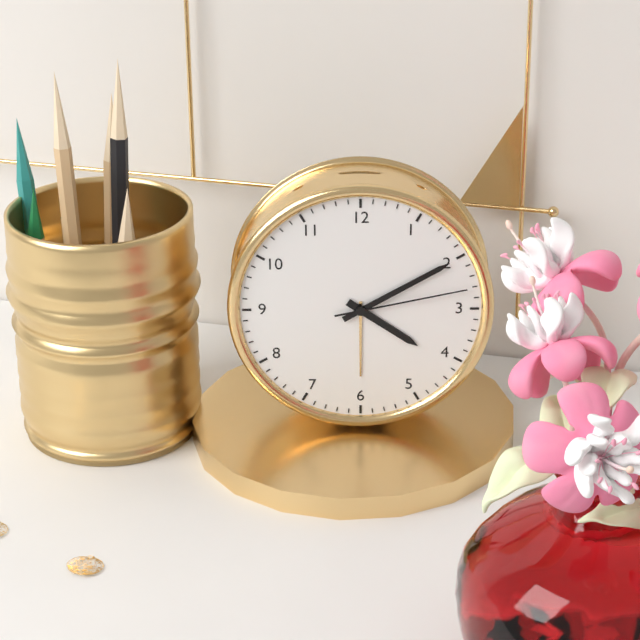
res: 4 h 10 min 13 s
